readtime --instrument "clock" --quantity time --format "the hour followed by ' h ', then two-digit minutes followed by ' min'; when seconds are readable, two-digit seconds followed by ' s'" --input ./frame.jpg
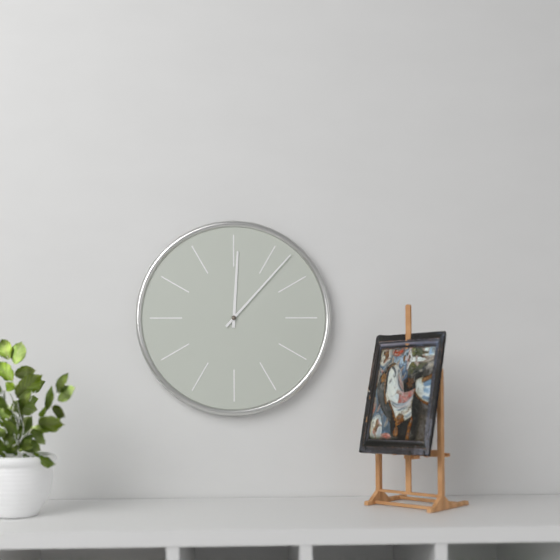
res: 12 h 07 min
